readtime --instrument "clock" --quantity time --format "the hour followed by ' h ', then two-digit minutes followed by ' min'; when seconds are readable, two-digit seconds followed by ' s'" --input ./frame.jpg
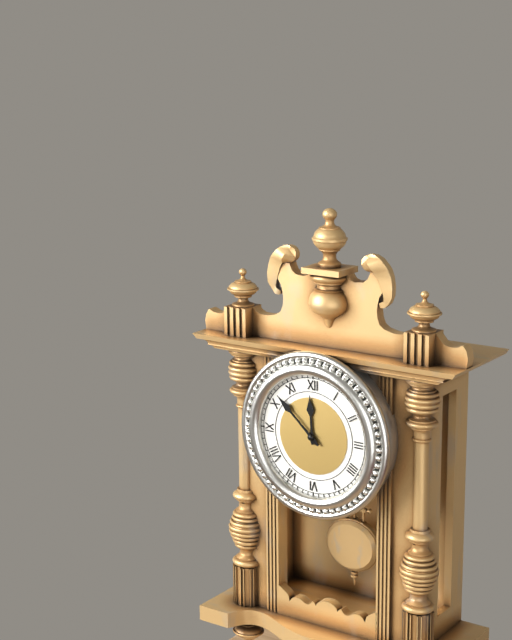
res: 11 h 52 min
